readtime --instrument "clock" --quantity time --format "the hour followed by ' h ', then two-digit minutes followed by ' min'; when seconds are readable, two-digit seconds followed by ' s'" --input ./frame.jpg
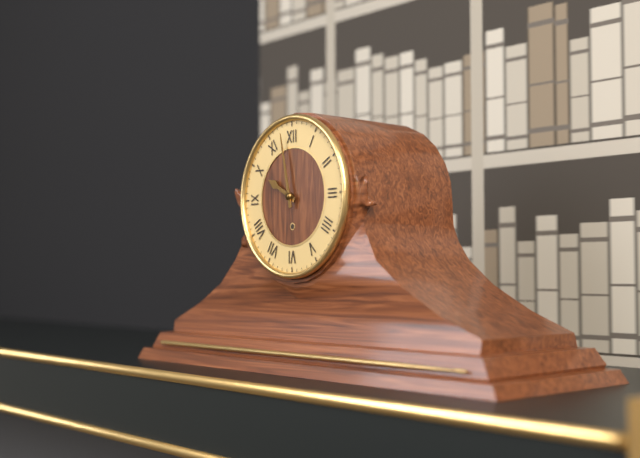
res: 9 h 58 min
